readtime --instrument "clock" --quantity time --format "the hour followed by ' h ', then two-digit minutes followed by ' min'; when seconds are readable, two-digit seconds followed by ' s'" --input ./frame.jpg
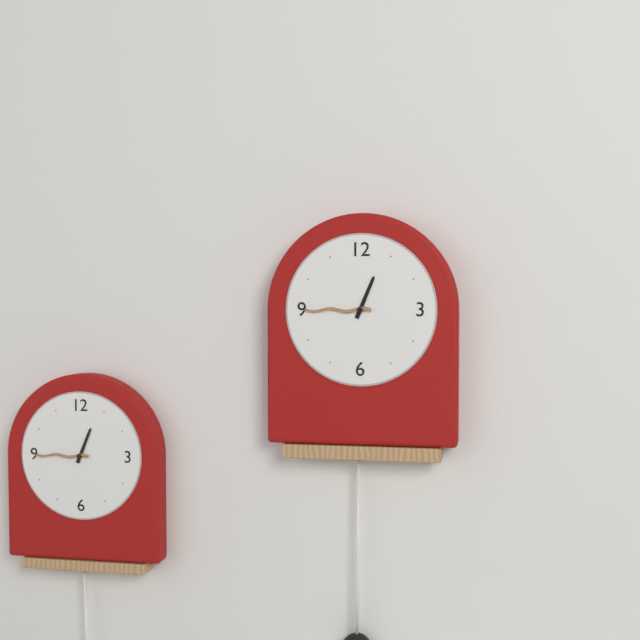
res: 12 h 45 min
